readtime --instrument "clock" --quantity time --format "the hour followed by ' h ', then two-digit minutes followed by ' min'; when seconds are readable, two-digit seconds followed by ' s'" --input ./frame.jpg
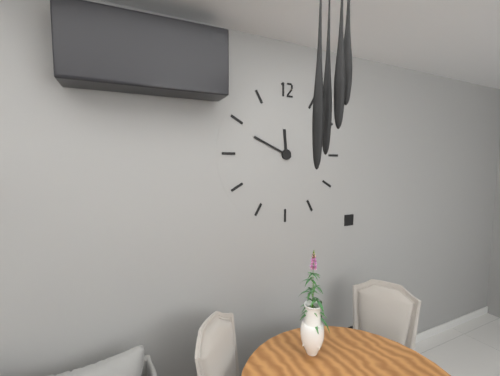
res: 11 h 49 min
